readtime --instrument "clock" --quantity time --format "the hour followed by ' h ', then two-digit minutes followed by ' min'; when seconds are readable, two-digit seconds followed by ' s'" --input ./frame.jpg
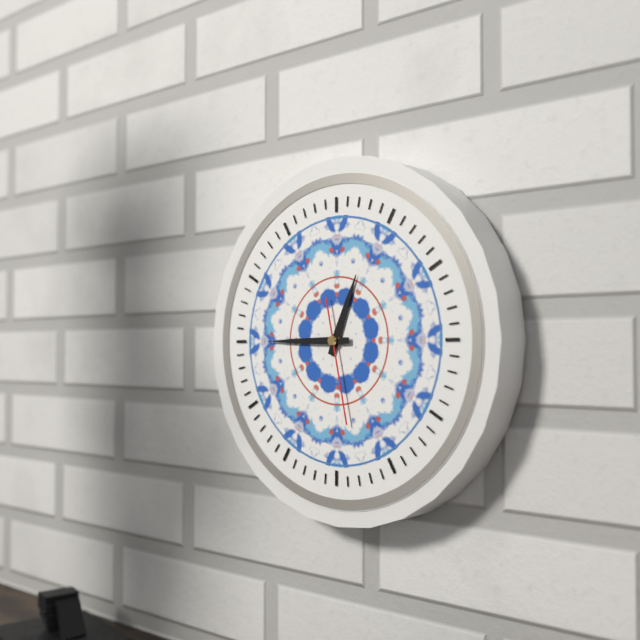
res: 12 h 45 min 28 s
